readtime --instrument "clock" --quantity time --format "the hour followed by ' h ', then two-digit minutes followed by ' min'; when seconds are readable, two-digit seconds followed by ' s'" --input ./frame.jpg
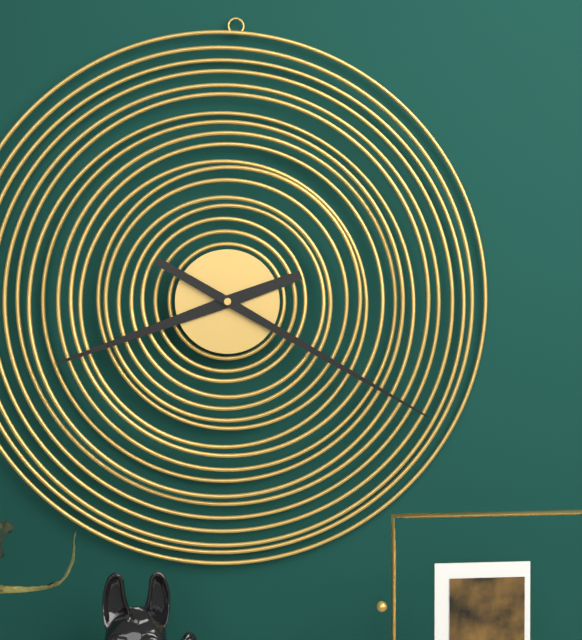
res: 8 h 20 min
